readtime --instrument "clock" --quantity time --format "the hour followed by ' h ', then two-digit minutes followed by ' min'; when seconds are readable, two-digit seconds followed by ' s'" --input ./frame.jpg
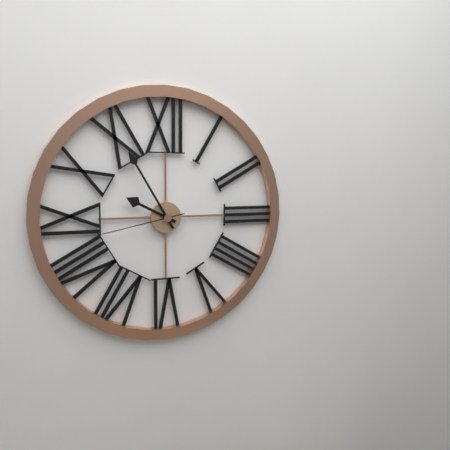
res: 9 h 55 min 43 s
